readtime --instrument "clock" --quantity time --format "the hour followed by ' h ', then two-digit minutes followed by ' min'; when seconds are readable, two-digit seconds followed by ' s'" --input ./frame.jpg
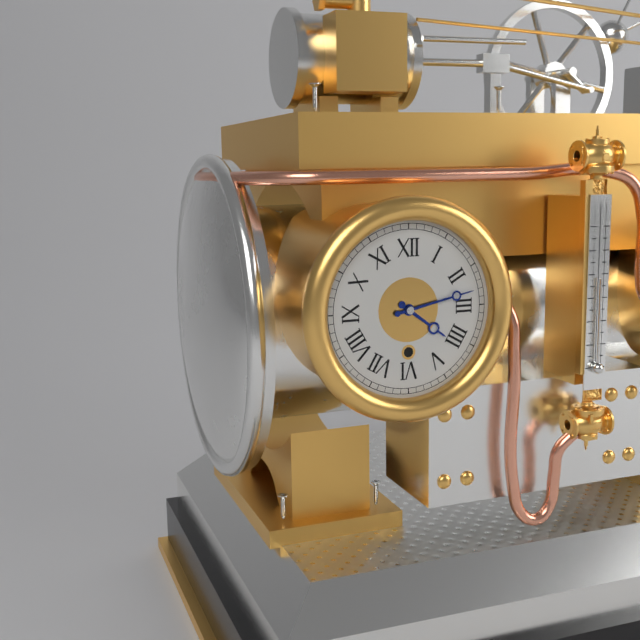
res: 4 h 13 min
